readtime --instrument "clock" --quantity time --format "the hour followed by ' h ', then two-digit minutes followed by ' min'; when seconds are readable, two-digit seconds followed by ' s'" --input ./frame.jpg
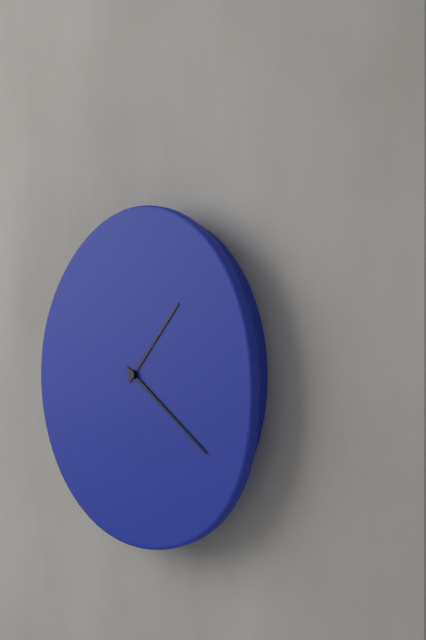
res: 1 h 21 min
